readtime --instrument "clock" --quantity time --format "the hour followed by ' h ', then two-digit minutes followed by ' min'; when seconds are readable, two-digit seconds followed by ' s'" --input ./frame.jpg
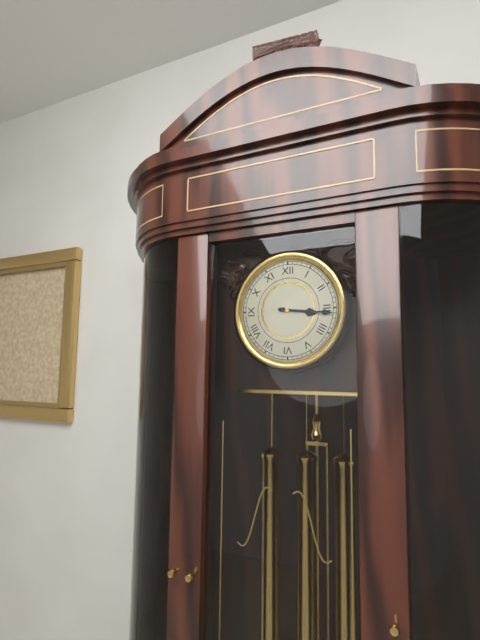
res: 3 h 16 min
